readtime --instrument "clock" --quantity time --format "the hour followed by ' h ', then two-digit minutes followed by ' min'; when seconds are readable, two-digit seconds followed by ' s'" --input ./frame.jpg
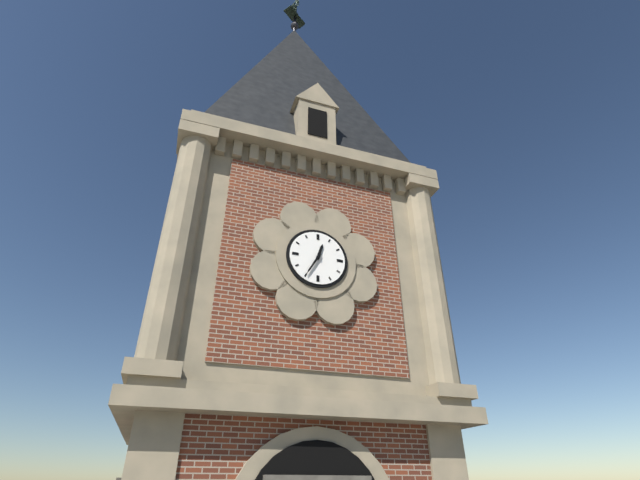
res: 12 h 35 min
